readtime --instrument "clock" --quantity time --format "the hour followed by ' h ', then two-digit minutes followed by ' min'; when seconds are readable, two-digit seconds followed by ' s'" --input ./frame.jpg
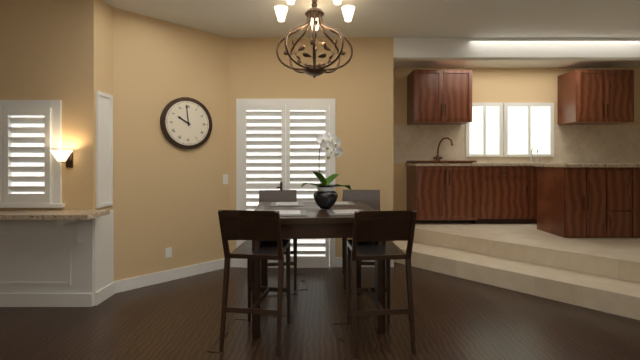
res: 9 h 59 min
